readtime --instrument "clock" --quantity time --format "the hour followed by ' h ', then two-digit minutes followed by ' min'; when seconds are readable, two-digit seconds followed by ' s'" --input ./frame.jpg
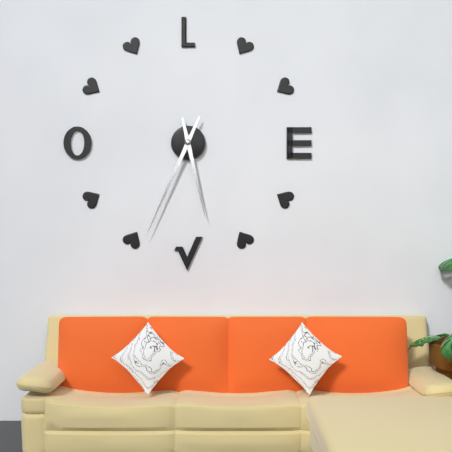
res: 5 h 34 min
